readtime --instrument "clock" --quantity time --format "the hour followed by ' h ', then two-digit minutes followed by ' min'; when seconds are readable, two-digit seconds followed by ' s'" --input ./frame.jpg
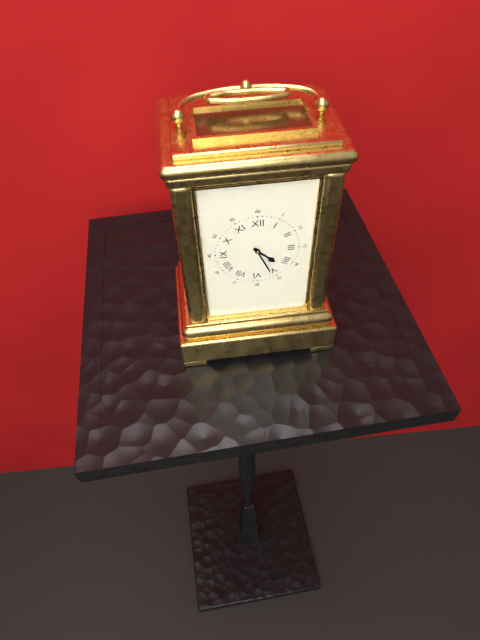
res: 4 h 26 min
